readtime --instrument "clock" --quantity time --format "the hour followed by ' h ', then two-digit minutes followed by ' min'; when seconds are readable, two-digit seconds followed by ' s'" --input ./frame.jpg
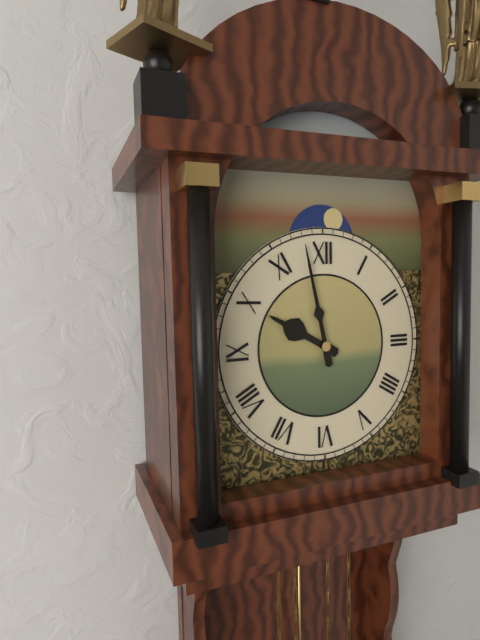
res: 9 h 58 min
